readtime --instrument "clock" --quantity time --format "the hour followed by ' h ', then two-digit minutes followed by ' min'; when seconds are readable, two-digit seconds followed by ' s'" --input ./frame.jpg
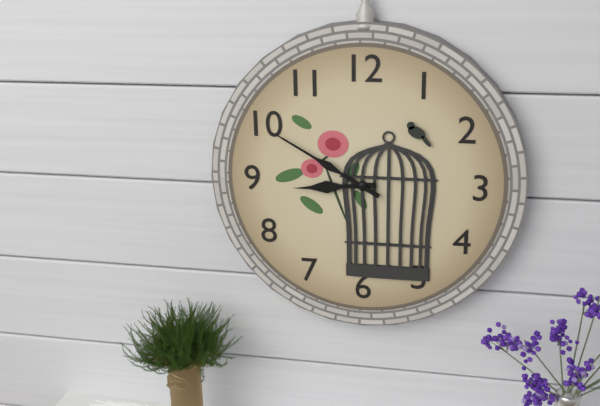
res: 8 h 50 min
